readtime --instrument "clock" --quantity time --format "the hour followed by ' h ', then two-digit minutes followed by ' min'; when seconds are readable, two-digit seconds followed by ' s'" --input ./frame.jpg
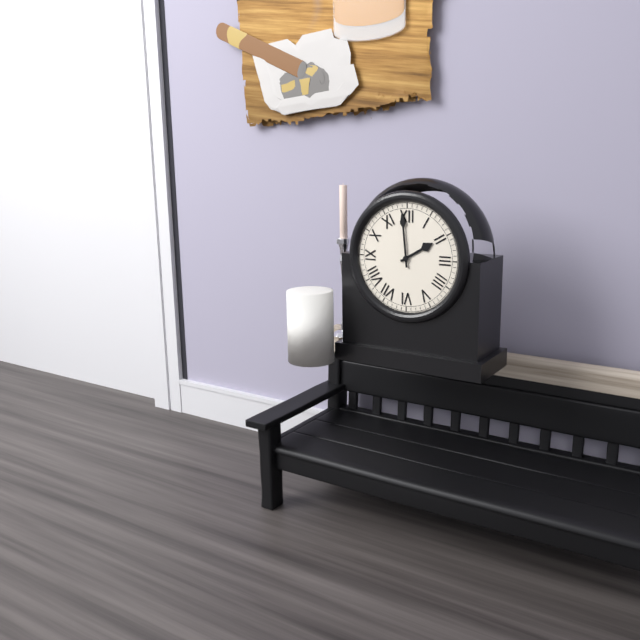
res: 1 h 59 min
